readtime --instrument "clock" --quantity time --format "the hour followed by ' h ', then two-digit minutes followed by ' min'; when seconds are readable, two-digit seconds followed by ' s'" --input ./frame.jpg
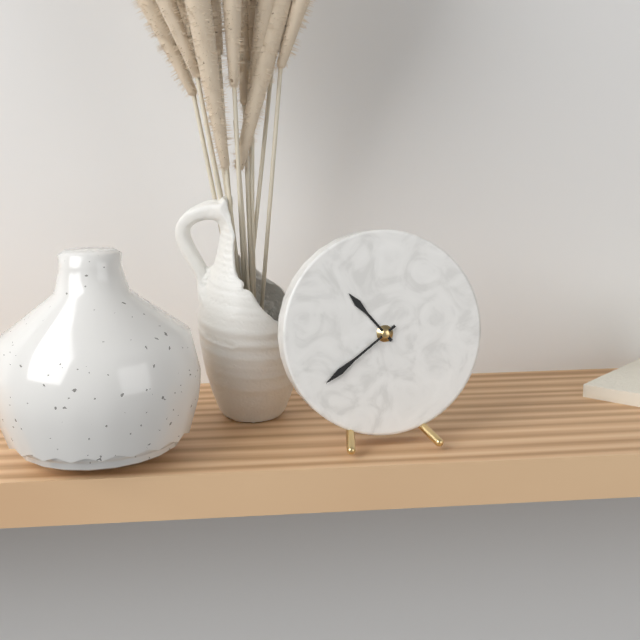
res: 10 h 39 min
